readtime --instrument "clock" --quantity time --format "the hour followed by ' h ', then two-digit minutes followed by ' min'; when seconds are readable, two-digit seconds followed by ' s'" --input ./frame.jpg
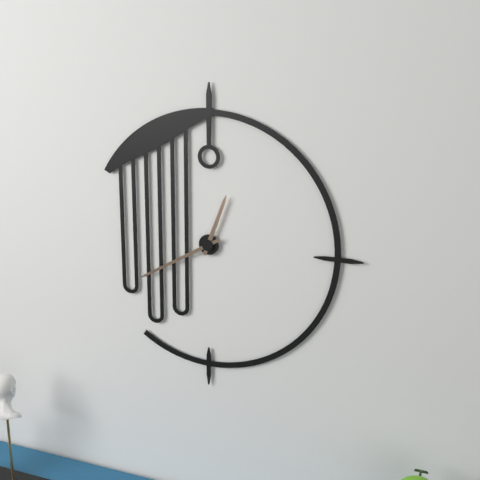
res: 12 h 40 min
